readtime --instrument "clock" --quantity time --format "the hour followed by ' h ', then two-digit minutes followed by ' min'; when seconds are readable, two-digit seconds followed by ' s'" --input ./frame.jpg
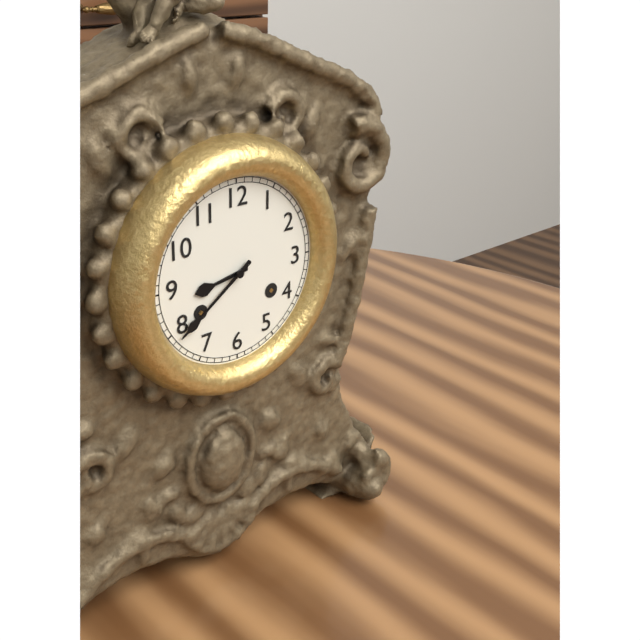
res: 8 h 39 min
